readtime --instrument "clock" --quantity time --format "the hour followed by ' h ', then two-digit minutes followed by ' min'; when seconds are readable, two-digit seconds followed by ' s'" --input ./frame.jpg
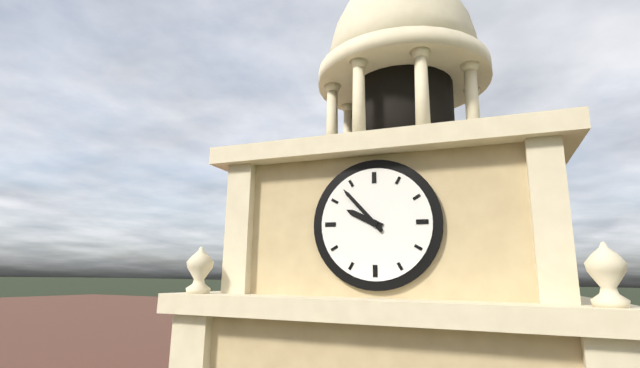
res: 9 h 53 min
